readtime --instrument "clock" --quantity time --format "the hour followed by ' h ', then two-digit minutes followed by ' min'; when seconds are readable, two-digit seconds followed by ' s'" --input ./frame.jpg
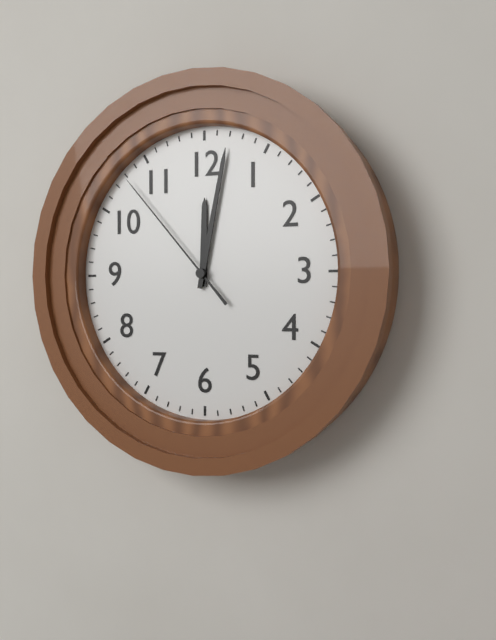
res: 12 h 02 min 53 s
